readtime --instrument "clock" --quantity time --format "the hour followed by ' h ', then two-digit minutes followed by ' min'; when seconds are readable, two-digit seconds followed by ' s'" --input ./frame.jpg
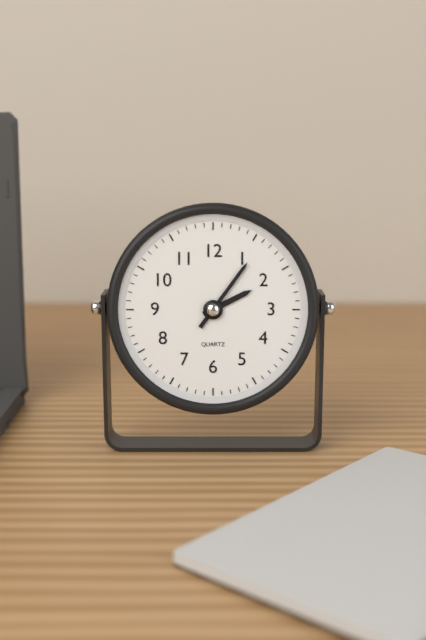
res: 2 h 06 min
